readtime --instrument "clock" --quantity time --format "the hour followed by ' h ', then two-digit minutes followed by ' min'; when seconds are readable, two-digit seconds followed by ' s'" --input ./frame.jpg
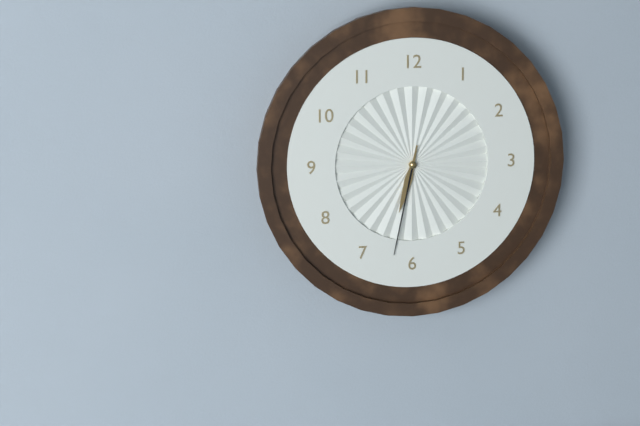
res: 6 h 32 min
